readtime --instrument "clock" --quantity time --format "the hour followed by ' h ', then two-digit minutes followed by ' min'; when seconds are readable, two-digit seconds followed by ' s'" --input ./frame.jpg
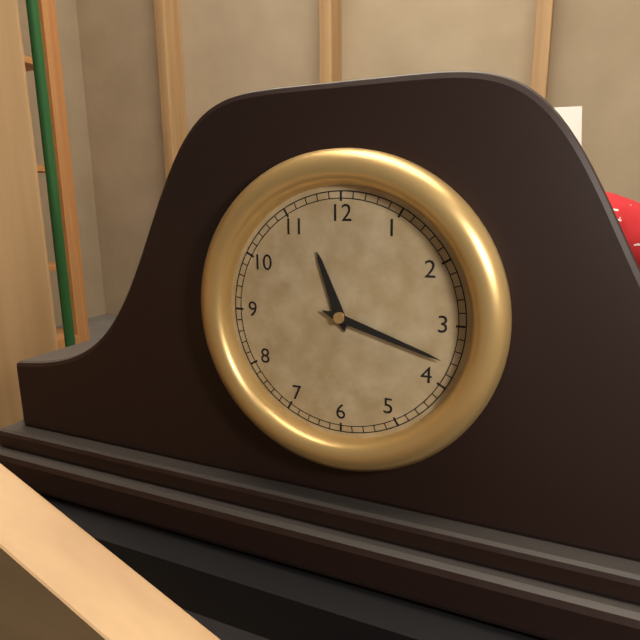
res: 11 h 18 min
